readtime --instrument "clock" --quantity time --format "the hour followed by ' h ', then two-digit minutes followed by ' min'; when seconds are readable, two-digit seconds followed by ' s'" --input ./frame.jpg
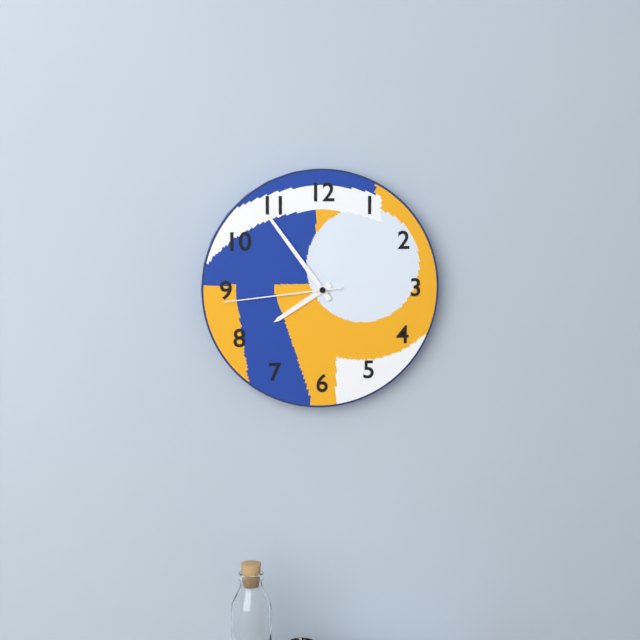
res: 7 h 54 min 44 s
